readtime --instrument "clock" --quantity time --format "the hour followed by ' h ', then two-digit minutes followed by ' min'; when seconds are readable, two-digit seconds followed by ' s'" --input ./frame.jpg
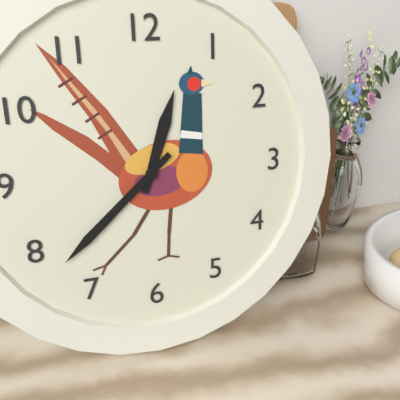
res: 12 h 38 min
